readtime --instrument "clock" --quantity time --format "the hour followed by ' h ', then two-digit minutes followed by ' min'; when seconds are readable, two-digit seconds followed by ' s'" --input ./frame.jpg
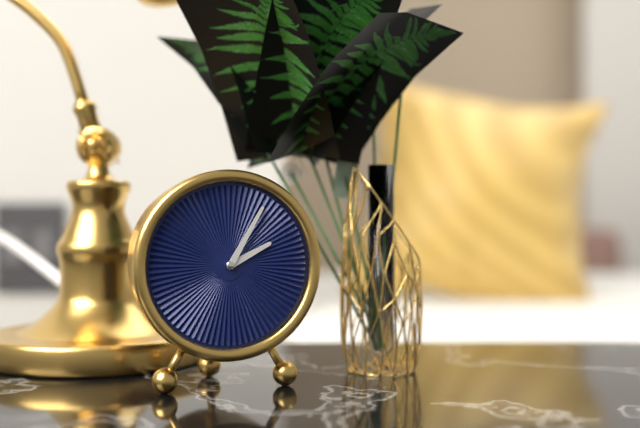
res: 2 h 05 min
